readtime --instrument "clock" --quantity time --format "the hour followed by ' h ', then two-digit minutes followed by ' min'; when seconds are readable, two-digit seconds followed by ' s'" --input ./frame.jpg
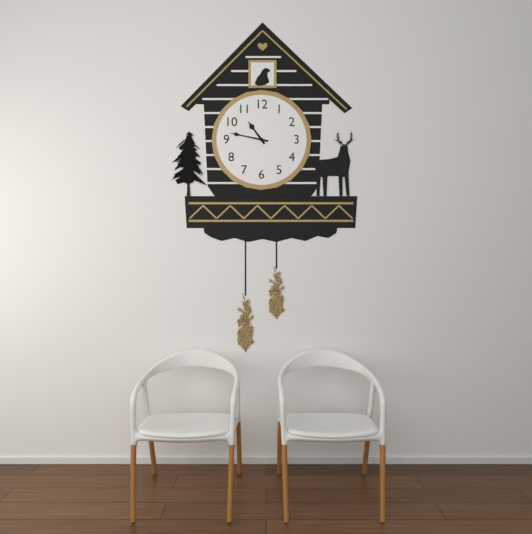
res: 10 h 47 min
